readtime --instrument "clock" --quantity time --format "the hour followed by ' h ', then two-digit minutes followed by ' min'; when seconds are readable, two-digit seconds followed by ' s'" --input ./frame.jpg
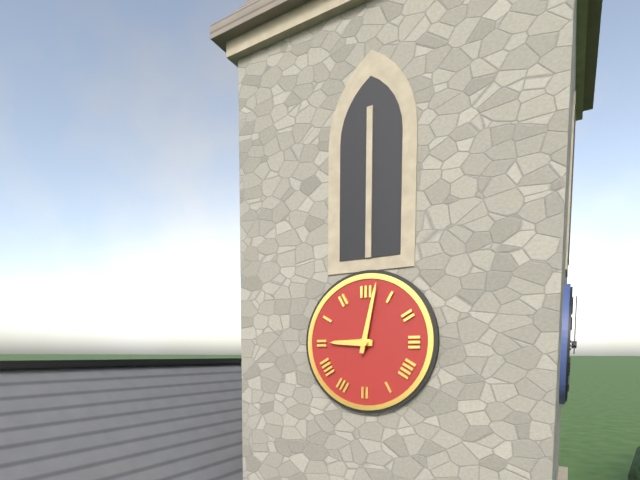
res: 9 h 02 min
